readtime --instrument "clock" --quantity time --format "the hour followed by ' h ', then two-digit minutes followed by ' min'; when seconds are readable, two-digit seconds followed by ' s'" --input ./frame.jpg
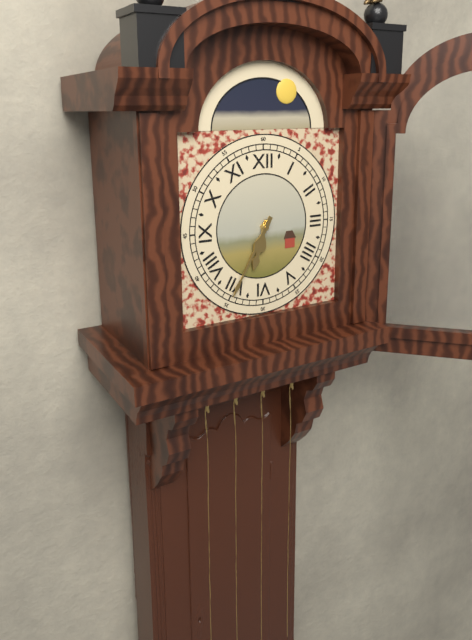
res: 6 h 35 min
